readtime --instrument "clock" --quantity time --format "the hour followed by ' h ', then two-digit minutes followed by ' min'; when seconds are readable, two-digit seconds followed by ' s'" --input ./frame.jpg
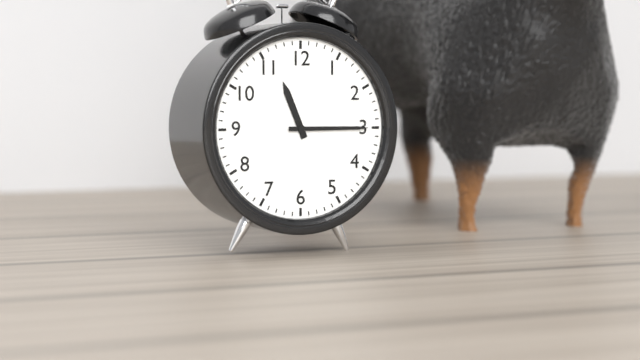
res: 11 h 15 min
